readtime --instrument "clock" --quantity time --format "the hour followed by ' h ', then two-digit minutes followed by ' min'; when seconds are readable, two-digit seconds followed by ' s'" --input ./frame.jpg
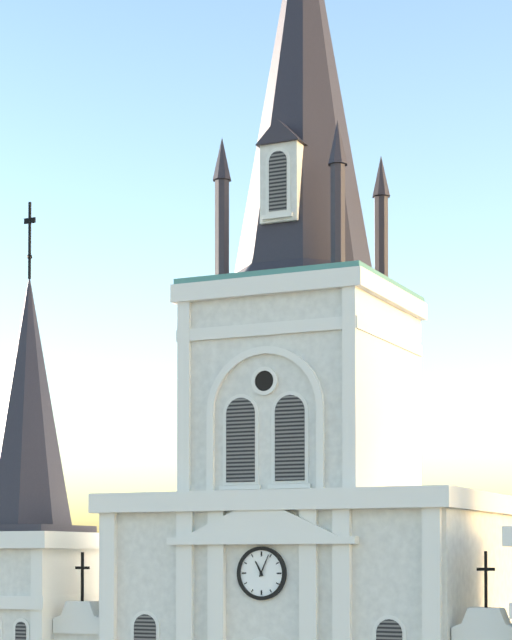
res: 11 h 04 min
